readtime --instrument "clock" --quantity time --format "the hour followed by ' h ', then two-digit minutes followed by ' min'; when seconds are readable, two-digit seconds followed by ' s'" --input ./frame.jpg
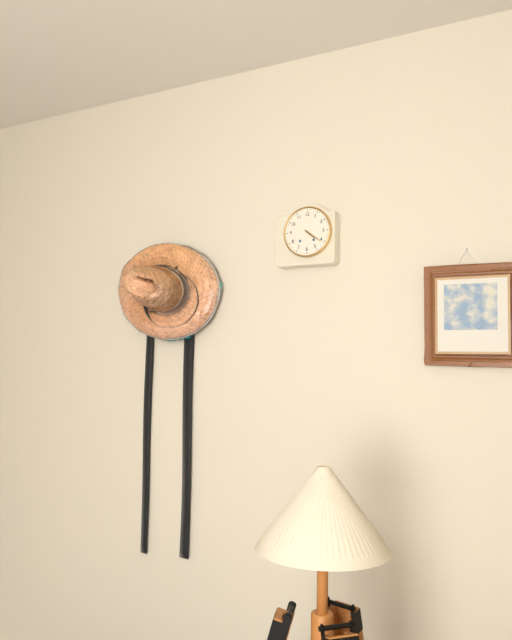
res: 4 h 21 min
